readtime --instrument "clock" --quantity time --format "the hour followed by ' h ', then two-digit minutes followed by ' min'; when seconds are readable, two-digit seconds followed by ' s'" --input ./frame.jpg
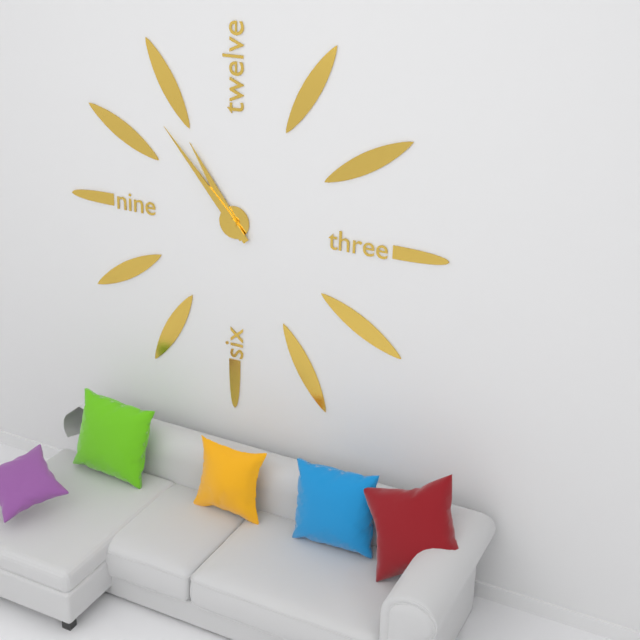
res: 10 h 53 min
